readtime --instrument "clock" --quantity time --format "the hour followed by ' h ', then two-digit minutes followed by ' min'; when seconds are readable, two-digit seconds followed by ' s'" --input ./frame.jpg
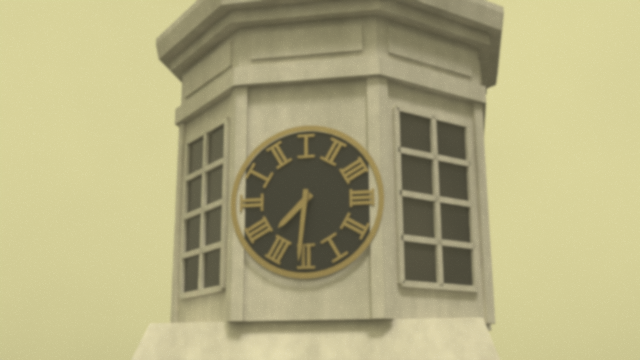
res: 7 h 31 min
